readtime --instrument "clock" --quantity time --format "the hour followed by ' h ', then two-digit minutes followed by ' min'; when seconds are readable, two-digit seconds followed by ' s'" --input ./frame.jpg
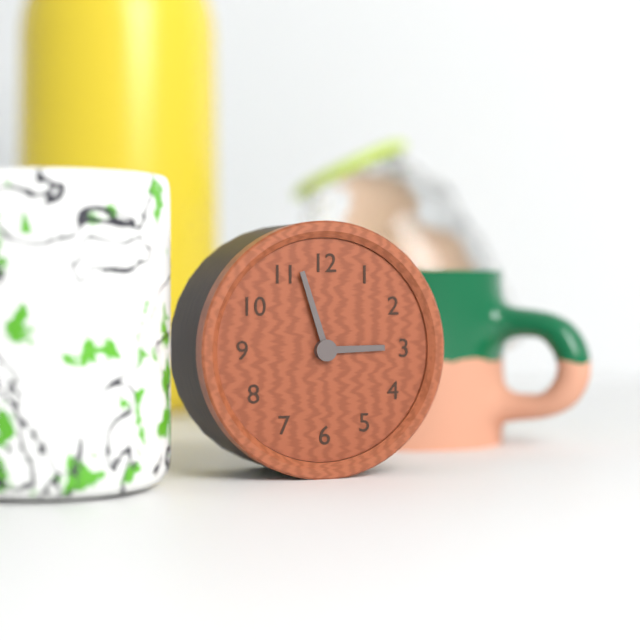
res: 2 h 57 min
